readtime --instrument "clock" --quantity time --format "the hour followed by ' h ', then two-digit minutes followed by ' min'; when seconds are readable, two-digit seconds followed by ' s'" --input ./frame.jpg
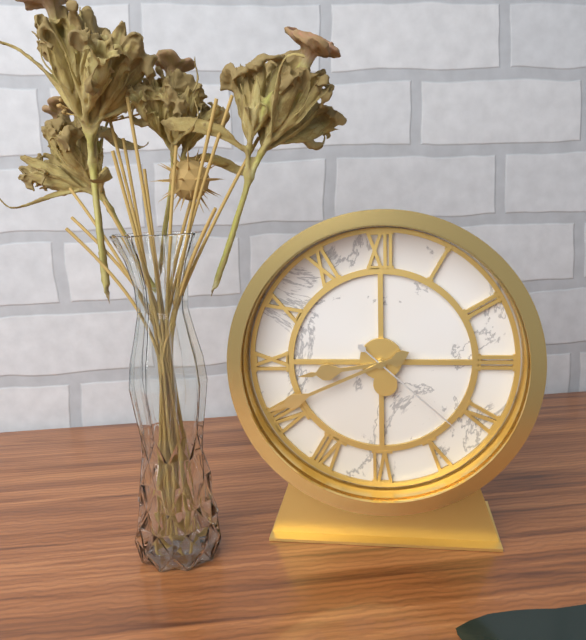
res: 8 h 41 min 22 s
